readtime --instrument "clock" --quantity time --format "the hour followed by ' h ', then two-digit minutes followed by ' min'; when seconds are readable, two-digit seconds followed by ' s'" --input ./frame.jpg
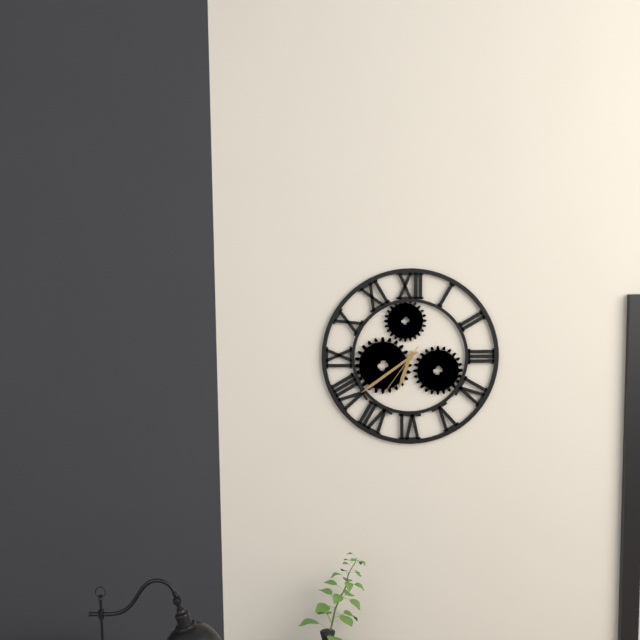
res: 6 h 39 min 36 s
